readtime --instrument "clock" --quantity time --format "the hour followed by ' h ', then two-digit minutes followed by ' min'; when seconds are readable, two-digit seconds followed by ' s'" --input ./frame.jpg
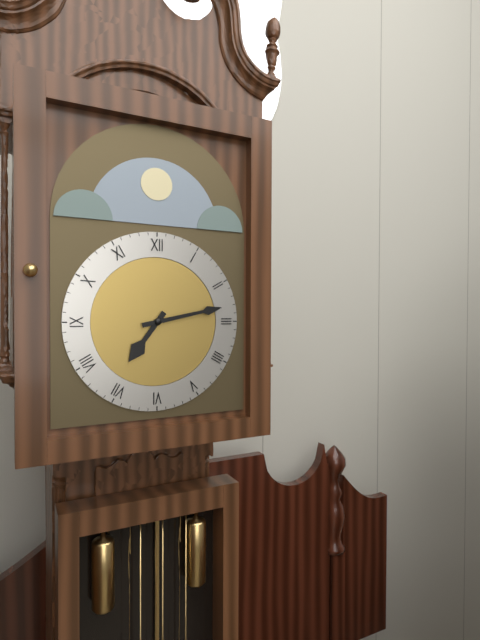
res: 7 h 13 min
